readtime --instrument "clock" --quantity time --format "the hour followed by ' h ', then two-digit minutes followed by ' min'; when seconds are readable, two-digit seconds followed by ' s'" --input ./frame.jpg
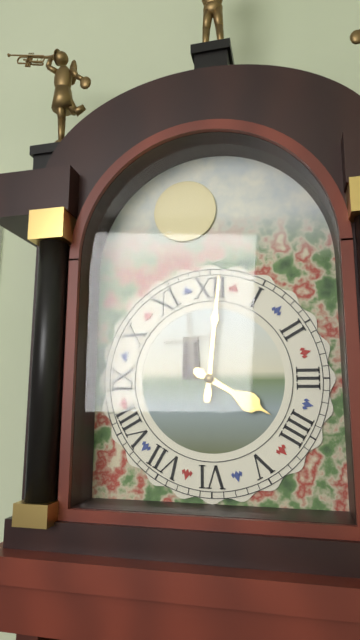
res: 4 h 01 min
